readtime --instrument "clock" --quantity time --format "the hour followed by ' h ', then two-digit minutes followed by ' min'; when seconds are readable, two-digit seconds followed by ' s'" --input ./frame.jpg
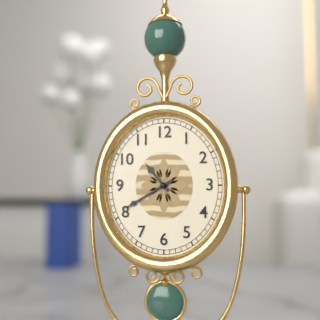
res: 10 h 40 min
